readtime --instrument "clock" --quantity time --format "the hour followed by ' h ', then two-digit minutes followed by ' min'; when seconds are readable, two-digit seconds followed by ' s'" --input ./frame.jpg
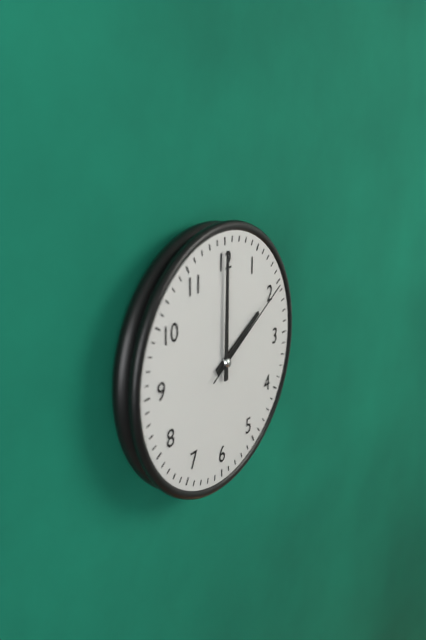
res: 2 h 00 min 10 s
